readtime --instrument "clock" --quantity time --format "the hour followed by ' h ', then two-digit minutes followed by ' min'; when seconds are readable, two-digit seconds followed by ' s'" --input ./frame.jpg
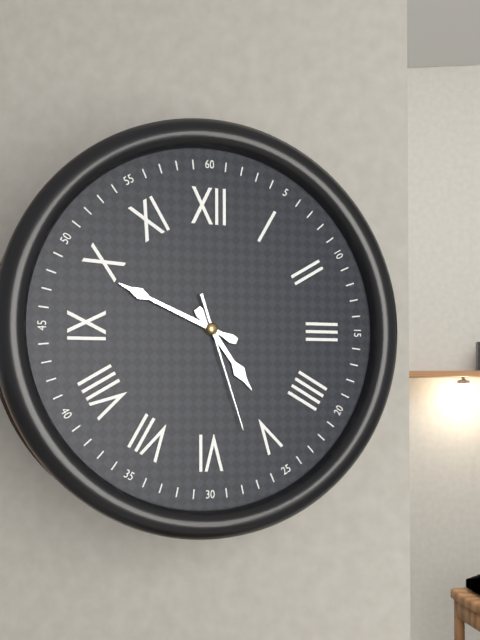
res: 4 h 49 min 27 s
